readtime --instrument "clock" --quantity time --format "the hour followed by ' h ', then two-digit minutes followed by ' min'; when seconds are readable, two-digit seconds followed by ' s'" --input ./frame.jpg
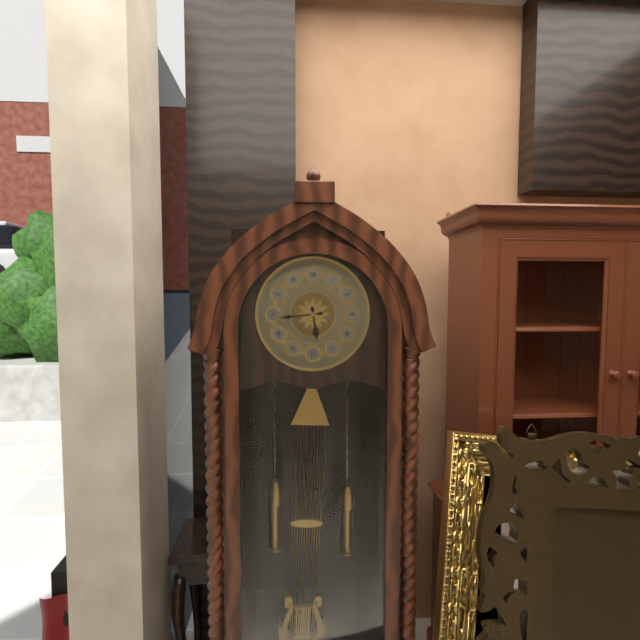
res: 5 h 44 min
